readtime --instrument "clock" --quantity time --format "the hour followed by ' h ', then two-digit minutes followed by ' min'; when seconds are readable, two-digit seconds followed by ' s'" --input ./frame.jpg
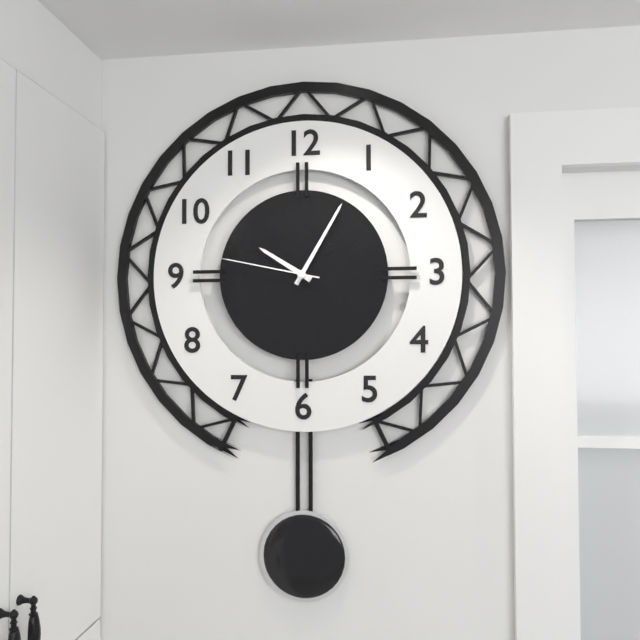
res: 10 h 05 min 47 s
